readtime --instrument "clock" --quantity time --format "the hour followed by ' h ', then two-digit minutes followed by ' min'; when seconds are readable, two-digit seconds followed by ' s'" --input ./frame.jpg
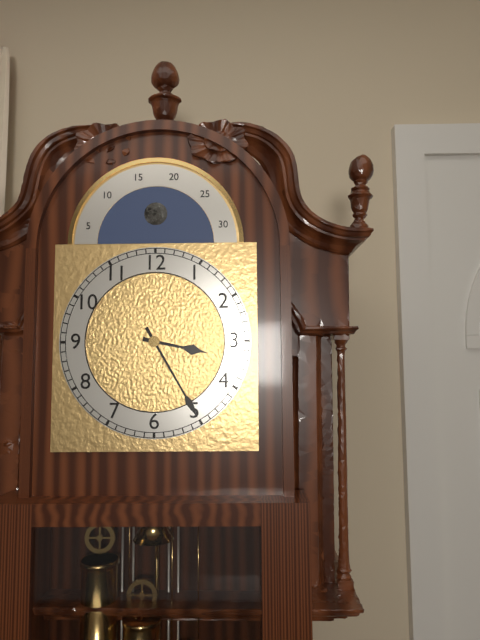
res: 3 h 25 min
